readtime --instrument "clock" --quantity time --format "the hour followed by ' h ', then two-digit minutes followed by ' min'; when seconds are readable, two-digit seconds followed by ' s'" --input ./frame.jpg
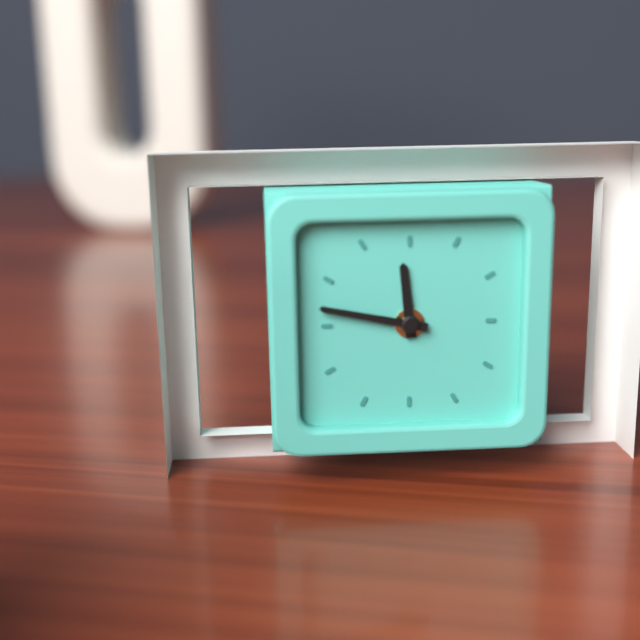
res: 11 h 47 min
